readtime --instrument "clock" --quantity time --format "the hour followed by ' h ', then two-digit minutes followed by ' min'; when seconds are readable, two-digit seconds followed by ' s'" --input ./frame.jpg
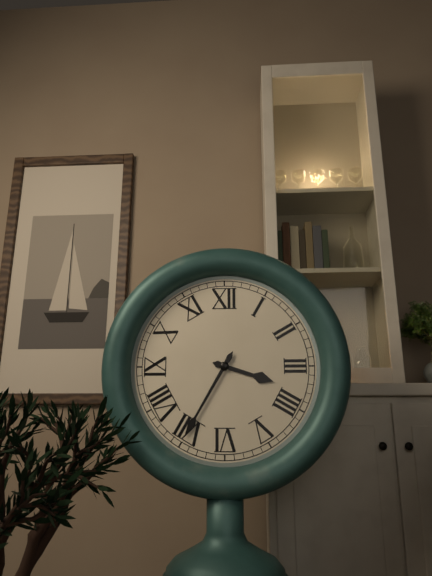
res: 3 h 35 min
